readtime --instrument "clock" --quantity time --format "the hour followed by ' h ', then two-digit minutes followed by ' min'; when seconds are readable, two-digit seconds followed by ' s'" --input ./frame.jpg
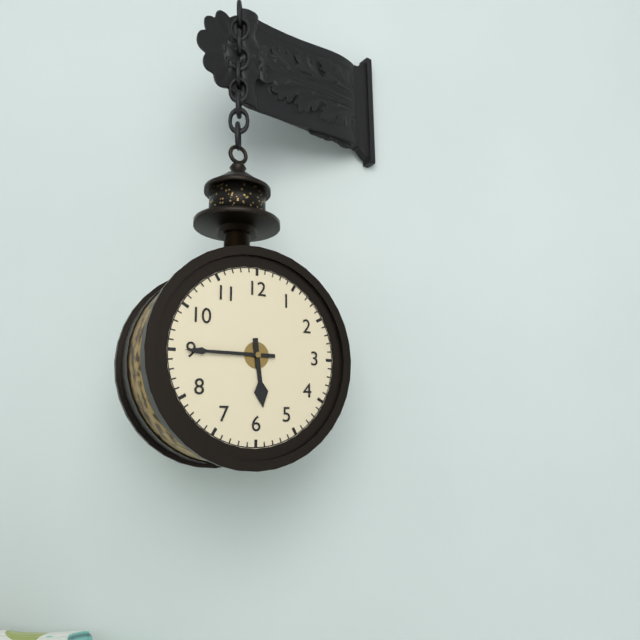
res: 5 h 45 min
